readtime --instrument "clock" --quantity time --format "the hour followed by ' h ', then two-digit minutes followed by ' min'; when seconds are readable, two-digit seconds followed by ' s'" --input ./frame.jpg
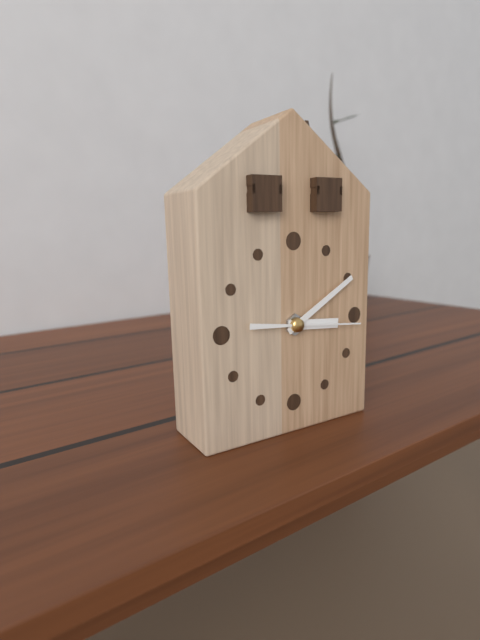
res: 3 h 10 min 16 s
